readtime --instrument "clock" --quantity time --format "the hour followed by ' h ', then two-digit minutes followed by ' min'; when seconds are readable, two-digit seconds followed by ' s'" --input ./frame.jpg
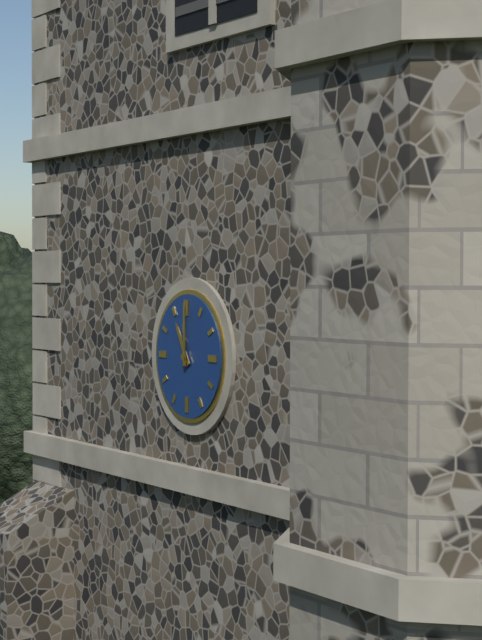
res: 11 h 00 min
